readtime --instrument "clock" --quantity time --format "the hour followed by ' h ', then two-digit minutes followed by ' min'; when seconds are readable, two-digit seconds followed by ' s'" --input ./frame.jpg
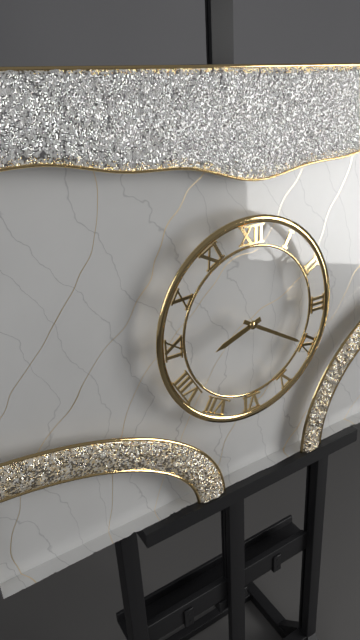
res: 8 h 20 min
